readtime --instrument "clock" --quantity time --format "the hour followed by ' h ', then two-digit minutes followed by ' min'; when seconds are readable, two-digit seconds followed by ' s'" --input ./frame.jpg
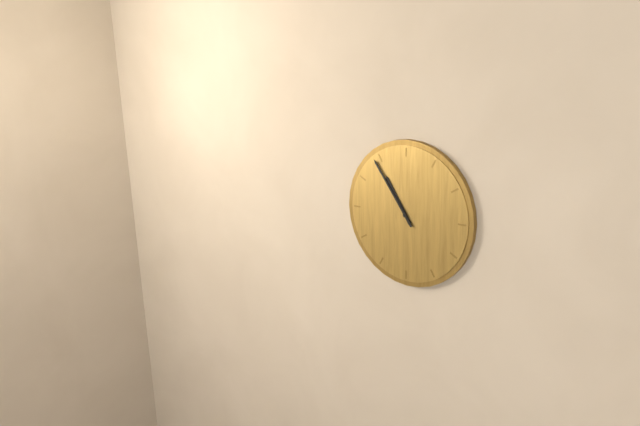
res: 10 h 54 min
